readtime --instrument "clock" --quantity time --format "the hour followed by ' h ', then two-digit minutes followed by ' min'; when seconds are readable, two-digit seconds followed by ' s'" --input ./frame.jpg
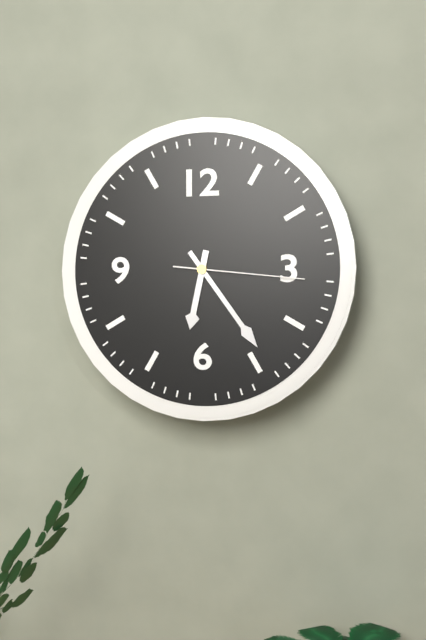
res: 6 h 24 min 16 s
